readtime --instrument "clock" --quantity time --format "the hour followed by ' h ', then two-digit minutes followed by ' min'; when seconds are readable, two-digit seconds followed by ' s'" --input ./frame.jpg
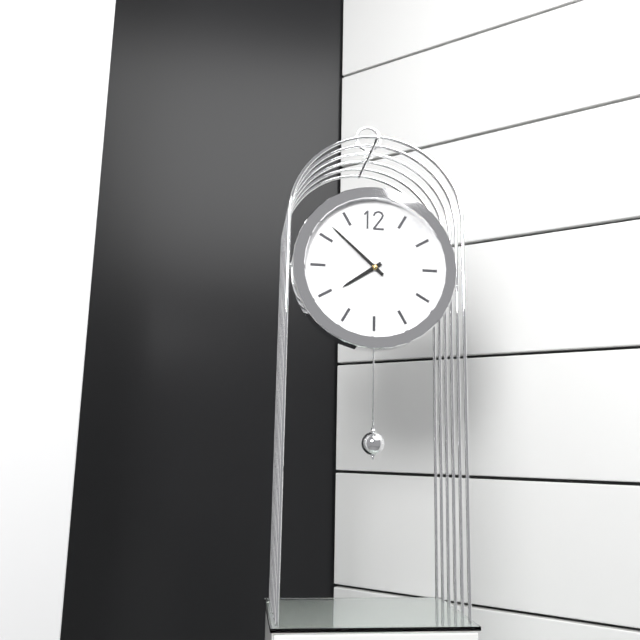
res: 7 h 52 min
